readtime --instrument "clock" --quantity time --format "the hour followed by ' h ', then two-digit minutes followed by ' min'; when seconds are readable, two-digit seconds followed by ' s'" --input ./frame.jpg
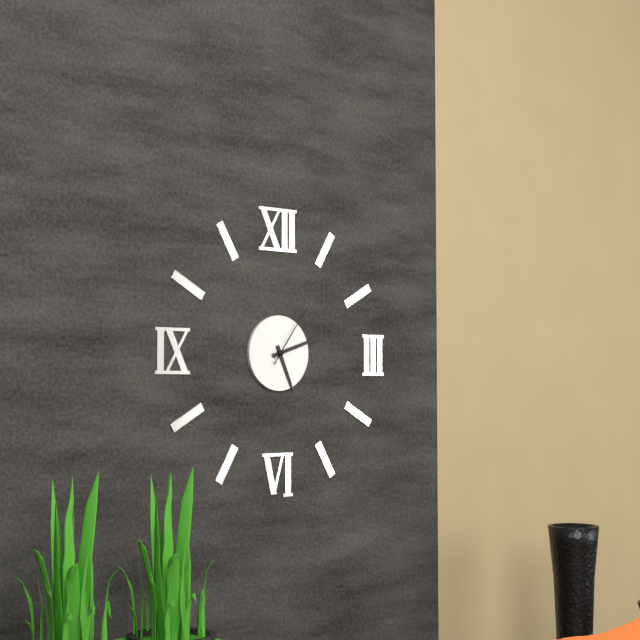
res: 5 h 12 min 06 s
